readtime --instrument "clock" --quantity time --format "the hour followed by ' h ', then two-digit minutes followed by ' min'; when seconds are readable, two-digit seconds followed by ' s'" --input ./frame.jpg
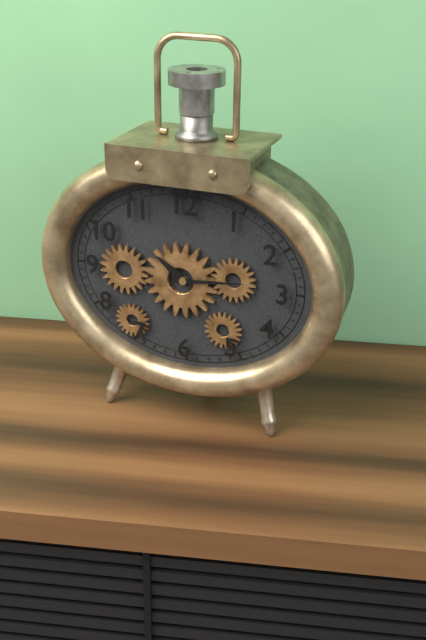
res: 10 h 14 min
